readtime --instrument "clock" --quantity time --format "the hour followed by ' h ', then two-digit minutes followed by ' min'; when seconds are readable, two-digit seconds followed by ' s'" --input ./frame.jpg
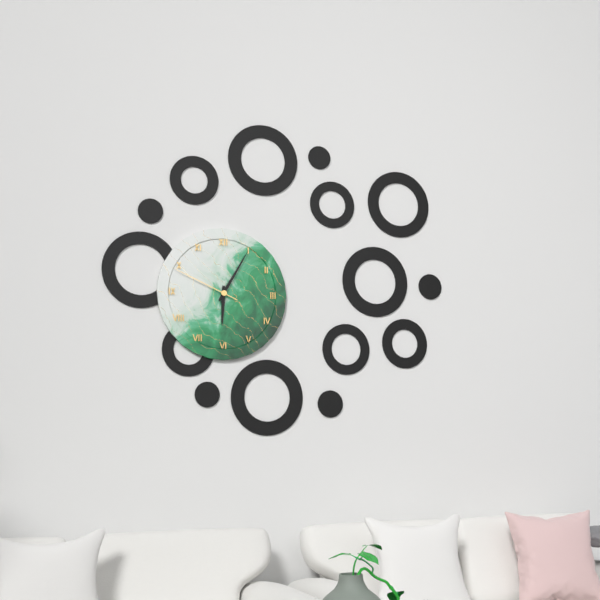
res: 6 h 05 min 49 s
